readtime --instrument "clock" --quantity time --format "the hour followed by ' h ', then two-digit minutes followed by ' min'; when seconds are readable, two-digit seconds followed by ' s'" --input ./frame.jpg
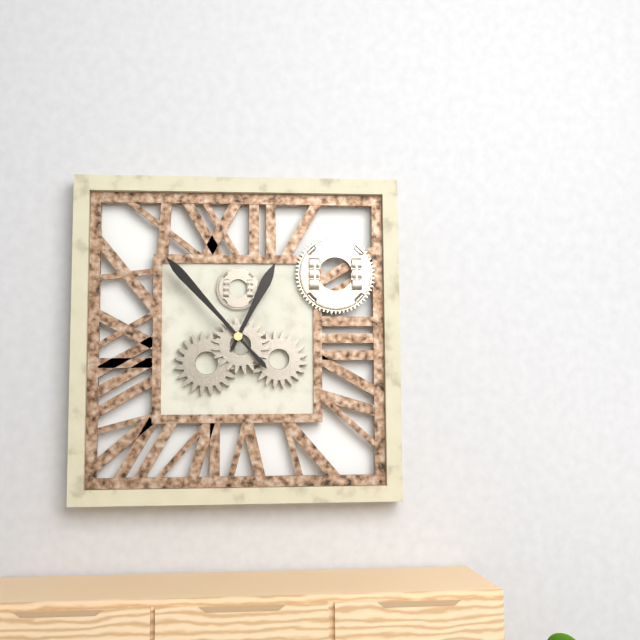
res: 12 h 53 min
